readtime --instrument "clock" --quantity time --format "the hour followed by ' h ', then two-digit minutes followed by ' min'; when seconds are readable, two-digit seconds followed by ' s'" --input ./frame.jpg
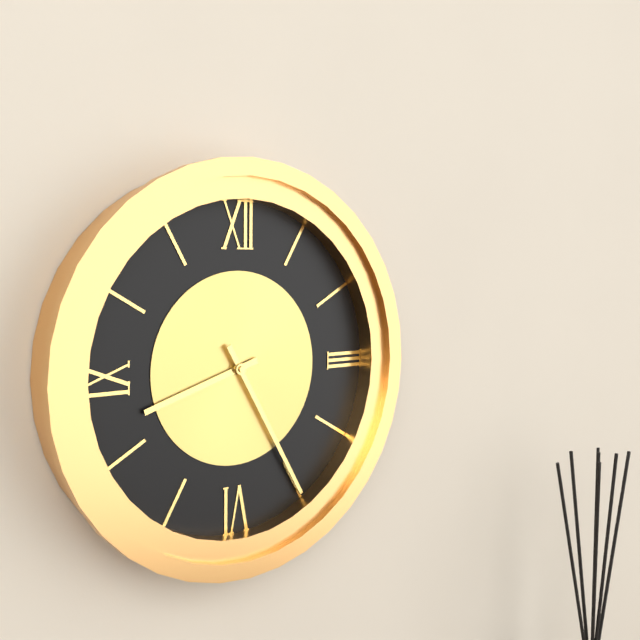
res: 8 h 25 min
